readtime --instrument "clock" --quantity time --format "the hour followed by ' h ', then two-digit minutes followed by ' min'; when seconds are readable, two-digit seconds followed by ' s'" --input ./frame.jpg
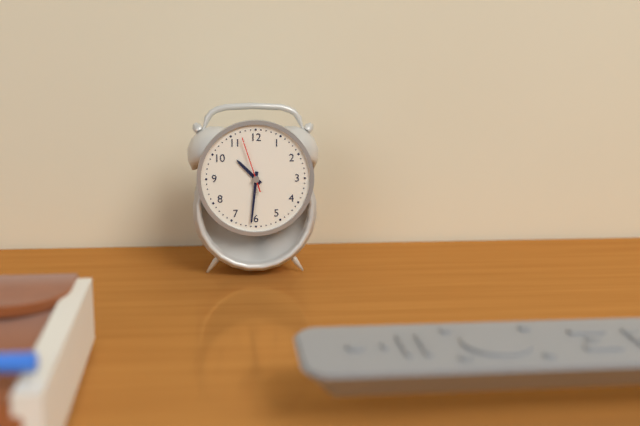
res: 10 h 31 min 57 s
